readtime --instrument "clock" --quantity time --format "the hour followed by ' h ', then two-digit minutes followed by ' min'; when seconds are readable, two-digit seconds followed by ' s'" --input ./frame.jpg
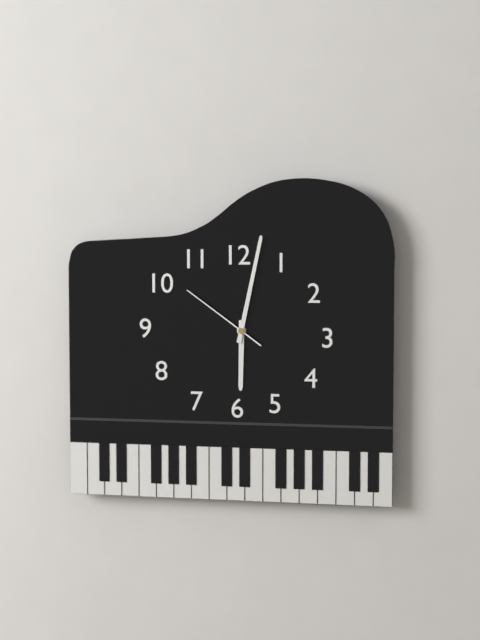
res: 6 h 02 min 51 s
